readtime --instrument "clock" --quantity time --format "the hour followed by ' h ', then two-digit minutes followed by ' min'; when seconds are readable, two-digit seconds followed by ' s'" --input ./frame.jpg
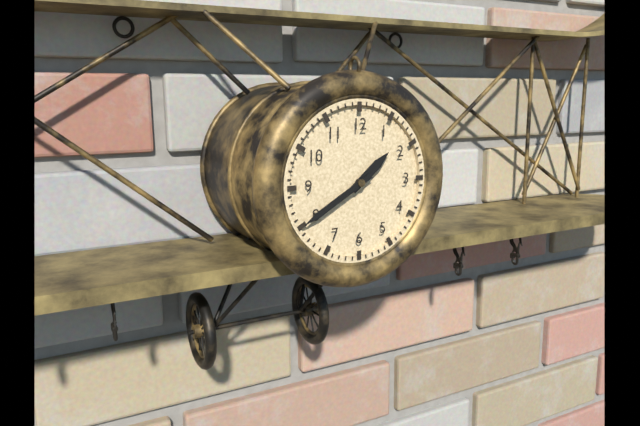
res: 1 h 40 min
